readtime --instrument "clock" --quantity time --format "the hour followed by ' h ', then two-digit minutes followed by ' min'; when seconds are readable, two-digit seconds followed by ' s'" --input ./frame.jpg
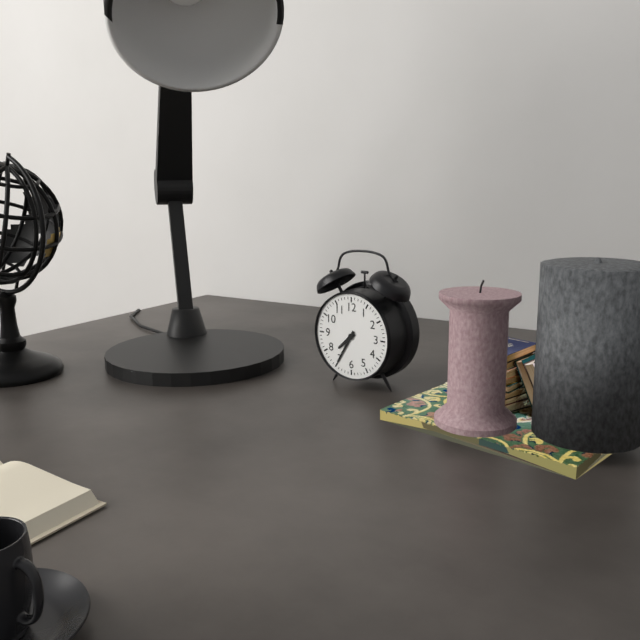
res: 7 h 35 min
